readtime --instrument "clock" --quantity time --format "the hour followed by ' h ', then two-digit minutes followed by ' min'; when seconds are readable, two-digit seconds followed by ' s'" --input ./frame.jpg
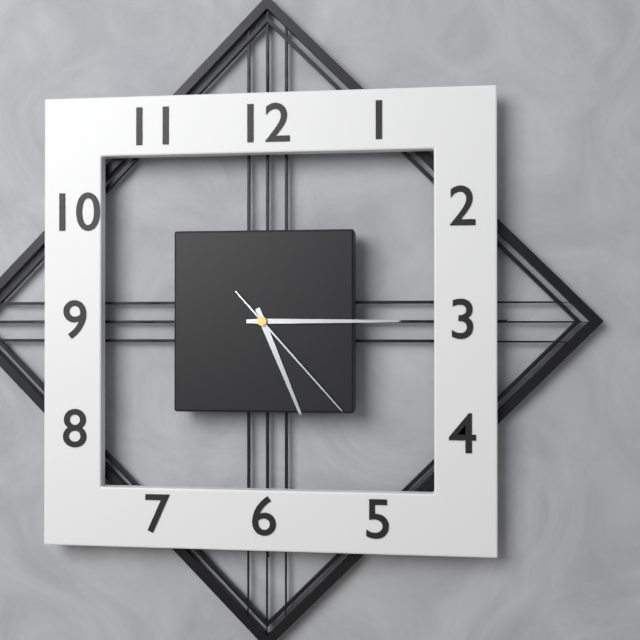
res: 5 h 15 min 23 s
